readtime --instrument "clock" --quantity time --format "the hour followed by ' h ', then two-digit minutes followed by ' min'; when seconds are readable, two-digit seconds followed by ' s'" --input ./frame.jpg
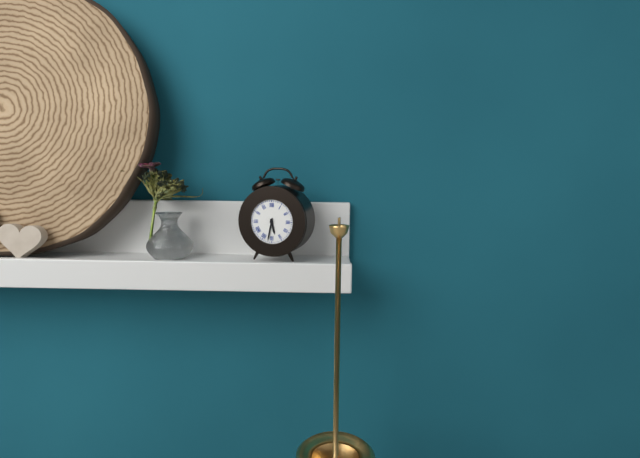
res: 5 h 32 min
